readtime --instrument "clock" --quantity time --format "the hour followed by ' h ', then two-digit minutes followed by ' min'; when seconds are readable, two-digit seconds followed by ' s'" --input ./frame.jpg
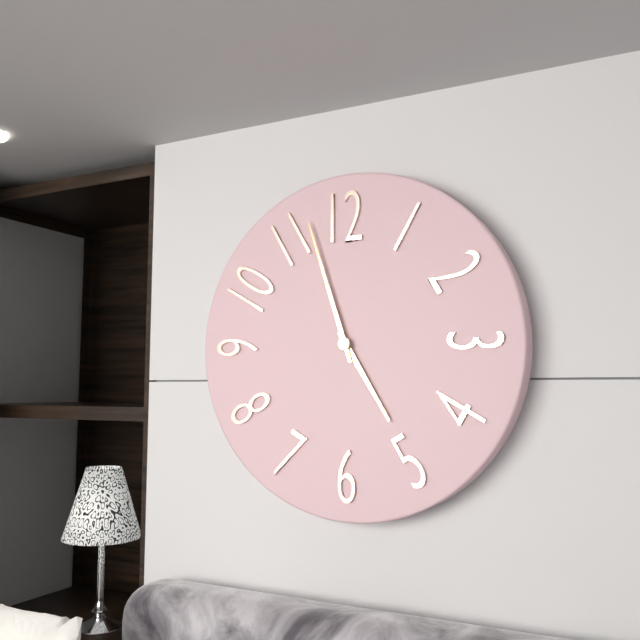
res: 4 h 57 min
